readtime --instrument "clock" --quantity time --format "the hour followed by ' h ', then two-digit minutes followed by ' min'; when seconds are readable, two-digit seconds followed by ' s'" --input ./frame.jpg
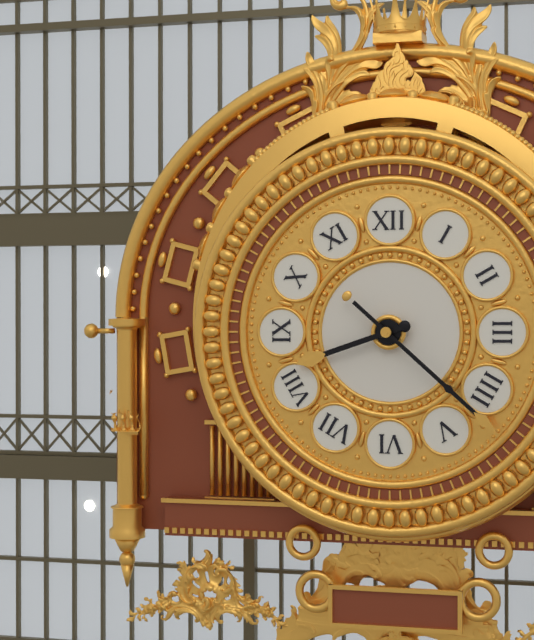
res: 8 h 22 min
